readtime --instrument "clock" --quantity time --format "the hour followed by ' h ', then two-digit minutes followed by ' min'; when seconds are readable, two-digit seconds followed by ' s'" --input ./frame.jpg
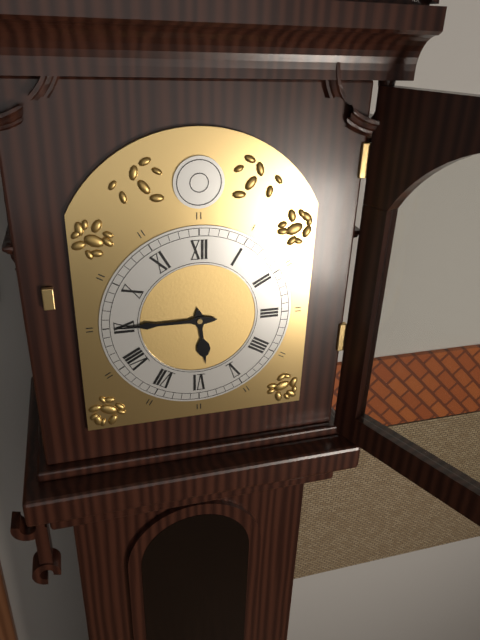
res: 5 h 45 min
